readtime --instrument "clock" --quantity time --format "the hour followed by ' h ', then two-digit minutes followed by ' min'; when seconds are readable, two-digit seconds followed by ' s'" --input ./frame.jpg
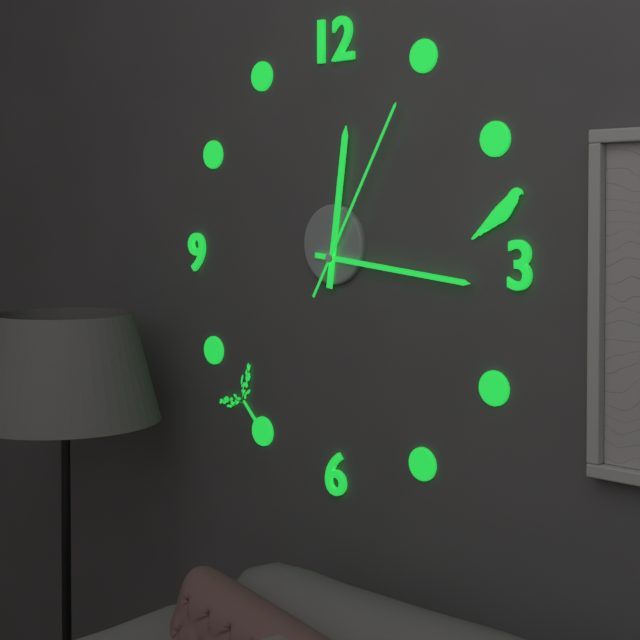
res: 12 h 16 min 05 s
